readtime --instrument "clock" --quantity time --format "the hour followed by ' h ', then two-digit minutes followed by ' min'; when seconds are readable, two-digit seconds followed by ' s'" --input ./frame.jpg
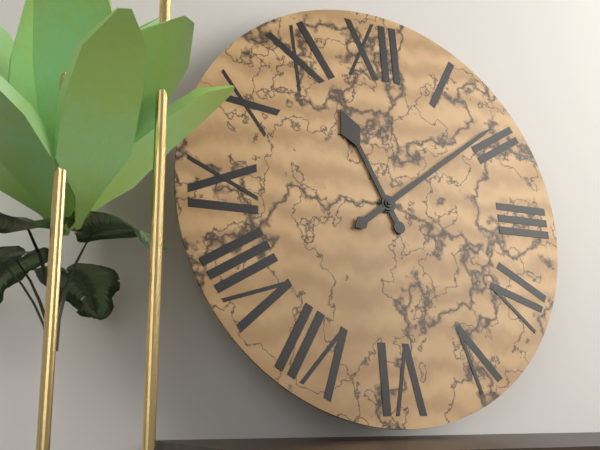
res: 11 h 09 min
